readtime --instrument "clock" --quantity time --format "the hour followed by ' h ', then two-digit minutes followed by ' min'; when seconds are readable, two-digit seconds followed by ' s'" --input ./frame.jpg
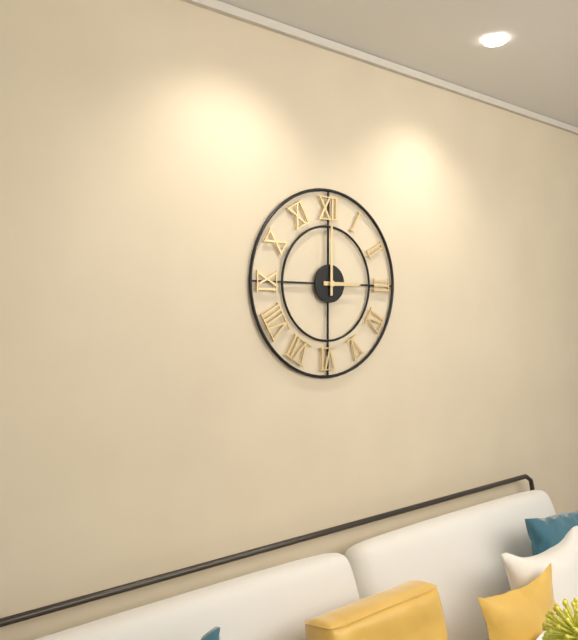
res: 3 h 00 min
